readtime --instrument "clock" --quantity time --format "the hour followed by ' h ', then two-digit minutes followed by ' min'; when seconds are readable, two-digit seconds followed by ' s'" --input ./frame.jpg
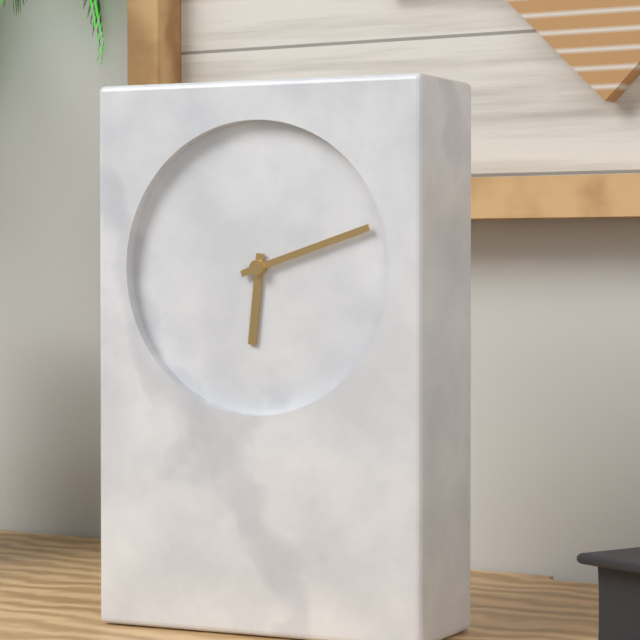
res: 6 h 12 min
